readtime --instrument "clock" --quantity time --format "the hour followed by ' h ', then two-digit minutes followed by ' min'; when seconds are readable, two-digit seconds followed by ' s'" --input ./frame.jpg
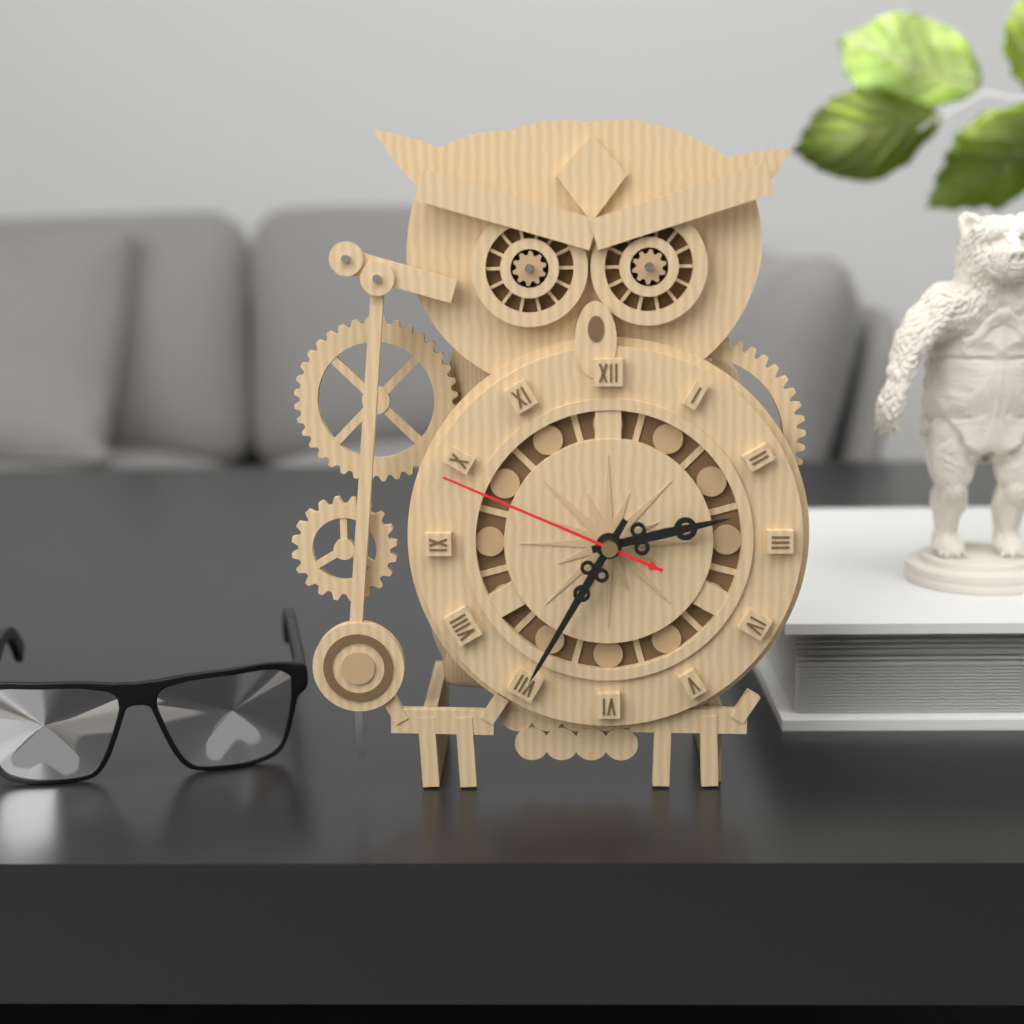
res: 2 h 35 min 49 s
